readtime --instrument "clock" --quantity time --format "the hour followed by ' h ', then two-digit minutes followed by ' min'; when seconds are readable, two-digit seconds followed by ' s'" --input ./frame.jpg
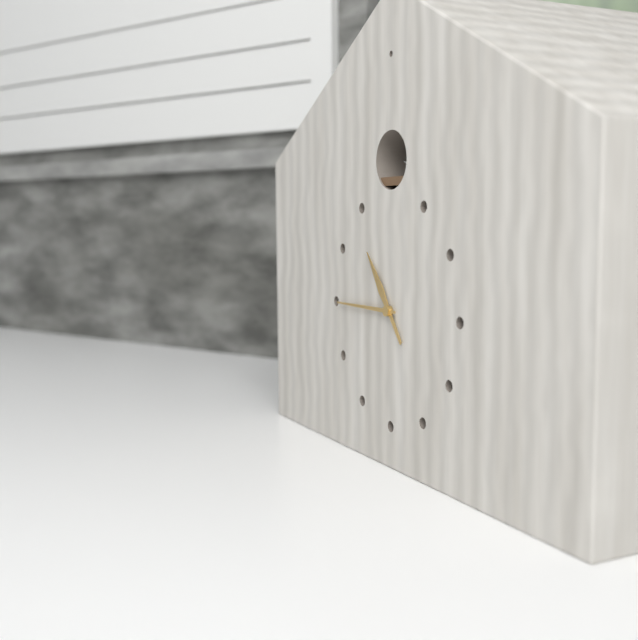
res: 10 h 45 min
